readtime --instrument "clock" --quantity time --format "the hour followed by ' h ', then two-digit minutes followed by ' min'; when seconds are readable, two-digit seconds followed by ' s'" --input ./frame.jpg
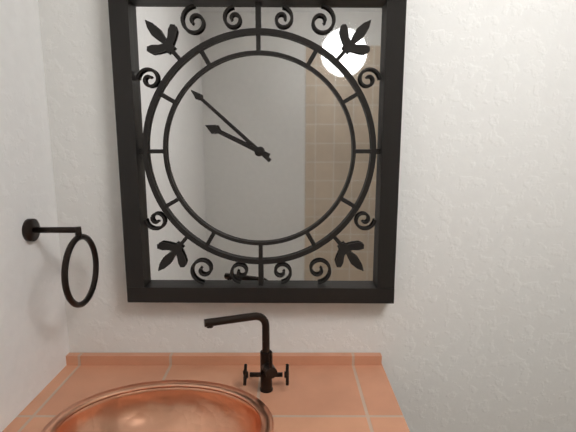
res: 9 h 52 min
